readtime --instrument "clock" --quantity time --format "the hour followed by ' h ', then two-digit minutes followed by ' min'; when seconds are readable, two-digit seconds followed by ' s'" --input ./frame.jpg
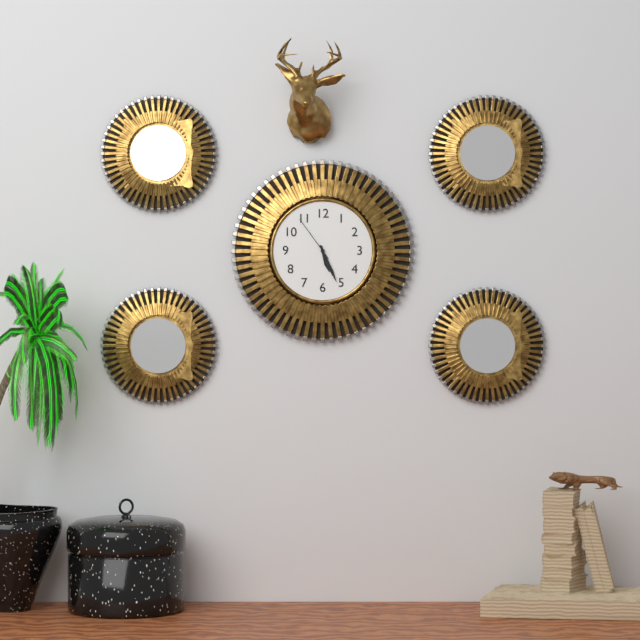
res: 5 h 26 min
